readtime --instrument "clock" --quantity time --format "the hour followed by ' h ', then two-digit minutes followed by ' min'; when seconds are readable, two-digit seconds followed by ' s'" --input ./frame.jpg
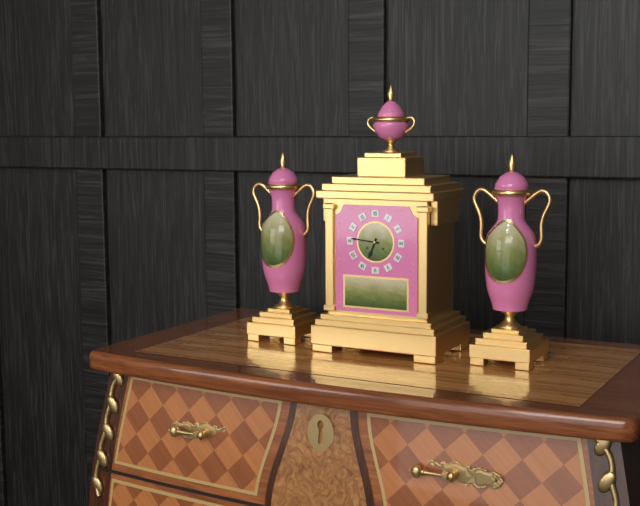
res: 6 h 46 min
